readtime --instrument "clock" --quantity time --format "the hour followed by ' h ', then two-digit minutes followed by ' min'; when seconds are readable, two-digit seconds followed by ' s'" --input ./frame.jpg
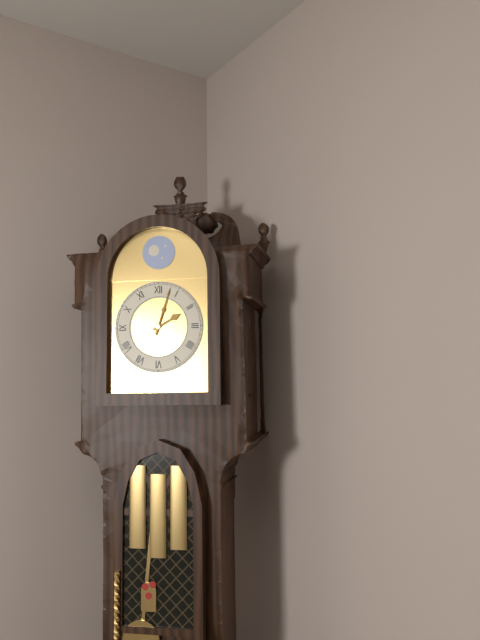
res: 2 h 03 min
